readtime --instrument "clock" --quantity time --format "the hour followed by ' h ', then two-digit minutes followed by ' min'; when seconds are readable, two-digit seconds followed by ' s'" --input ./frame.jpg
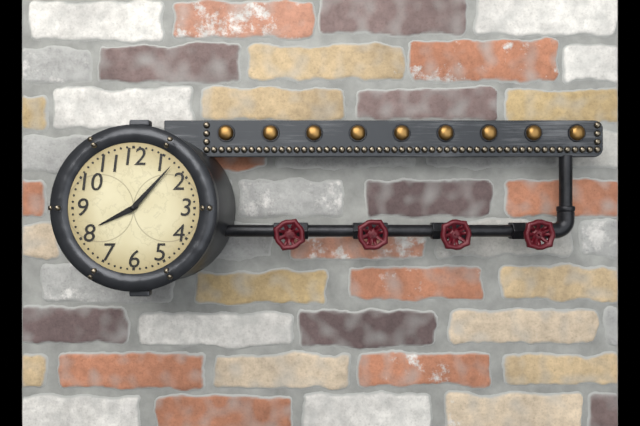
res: 8 h 07 min
